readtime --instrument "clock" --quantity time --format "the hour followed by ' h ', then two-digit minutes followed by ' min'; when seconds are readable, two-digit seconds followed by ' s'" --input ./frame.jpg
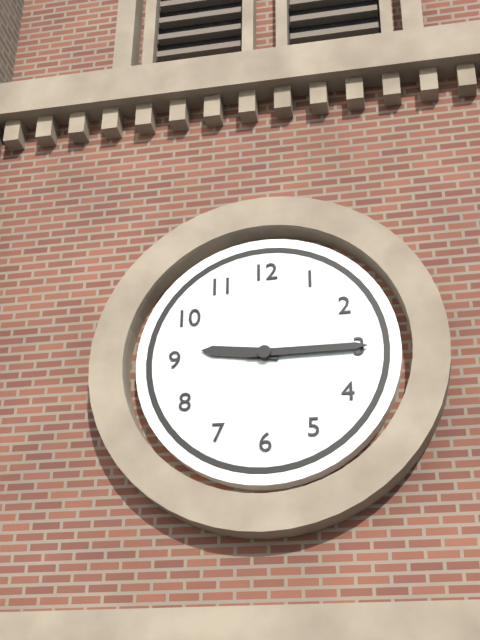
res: 9 h 15 min
